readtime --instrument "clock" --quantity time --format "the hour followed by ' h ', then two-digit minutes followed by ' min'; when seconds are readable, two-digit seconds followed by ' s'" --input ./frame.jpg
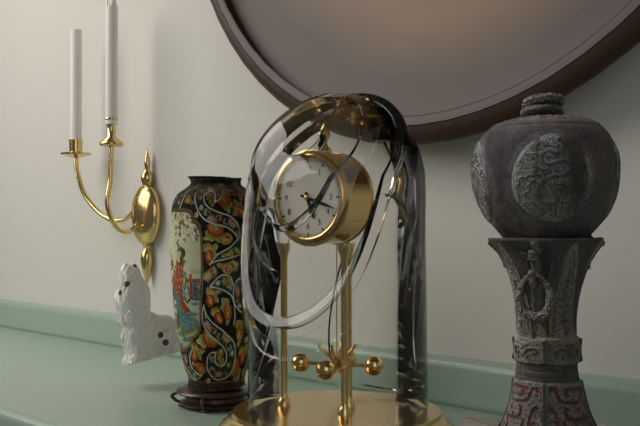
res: 5 h 18 min
